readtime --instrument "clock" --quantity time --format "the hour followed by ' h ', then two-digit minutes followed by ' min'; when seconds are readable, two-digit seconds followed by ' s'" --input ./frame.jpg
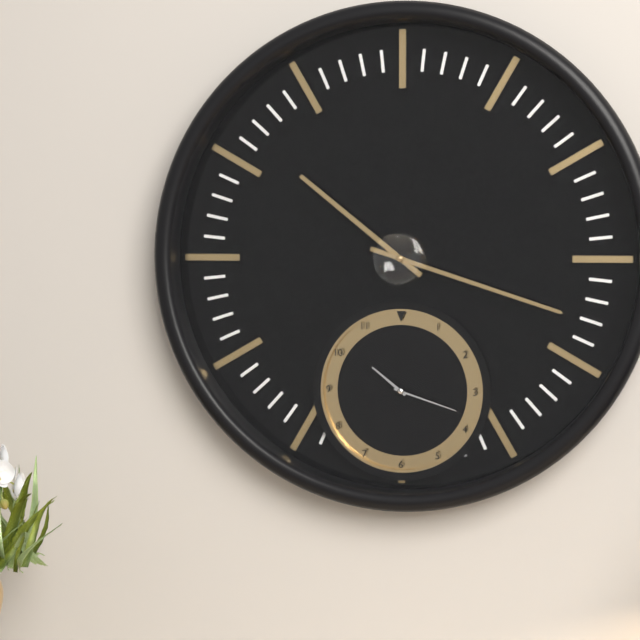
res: 10 h 18 min
